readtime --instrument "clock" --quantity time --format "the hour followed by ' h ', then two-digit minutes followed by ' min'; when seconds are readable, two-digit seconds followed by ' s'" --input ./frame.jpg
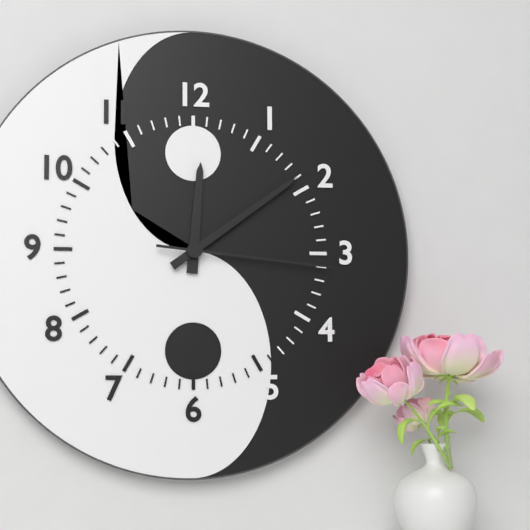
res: 12 h 09 min 16 s
